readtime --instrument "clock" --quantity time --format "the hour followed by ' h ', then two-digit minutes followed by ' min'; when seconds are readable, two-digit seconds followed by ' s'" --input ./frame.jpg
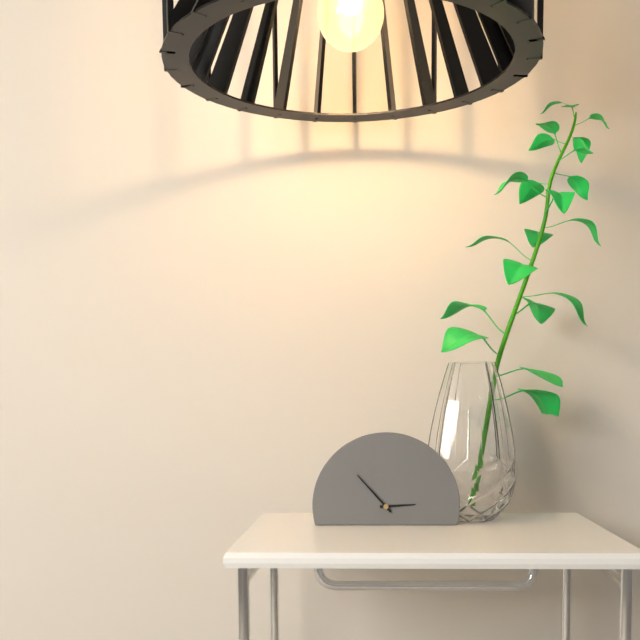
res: 2 h 53 min
